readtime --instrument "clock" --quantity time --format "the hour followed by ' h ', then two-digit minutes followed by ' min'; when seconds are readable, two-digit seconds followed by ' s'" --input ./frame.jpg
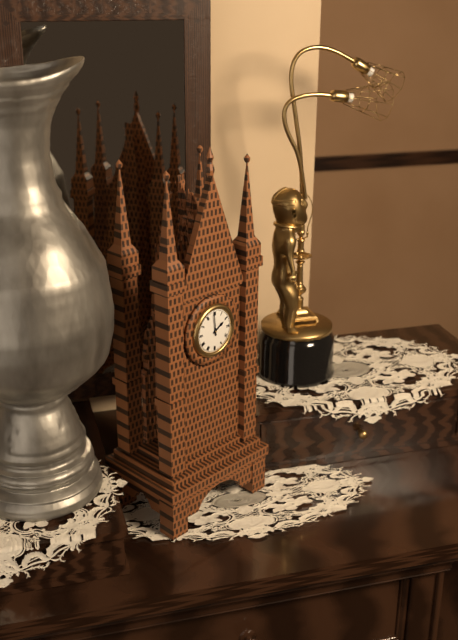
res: 1 h 59 min
